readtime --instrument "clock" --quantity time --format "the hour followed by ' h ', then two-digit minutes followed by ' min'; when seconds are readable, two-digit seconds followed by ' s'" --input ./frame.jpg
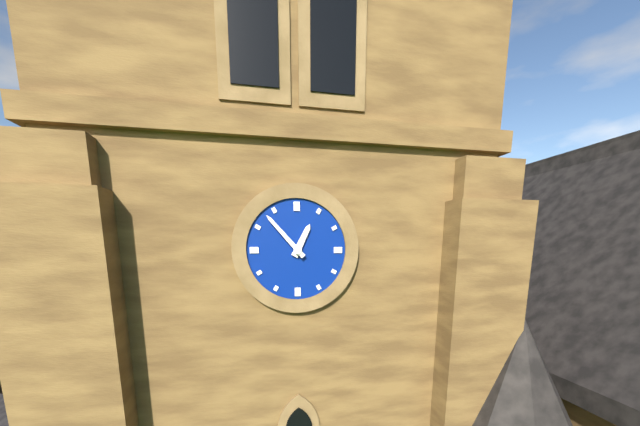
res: 12 h 53 min
